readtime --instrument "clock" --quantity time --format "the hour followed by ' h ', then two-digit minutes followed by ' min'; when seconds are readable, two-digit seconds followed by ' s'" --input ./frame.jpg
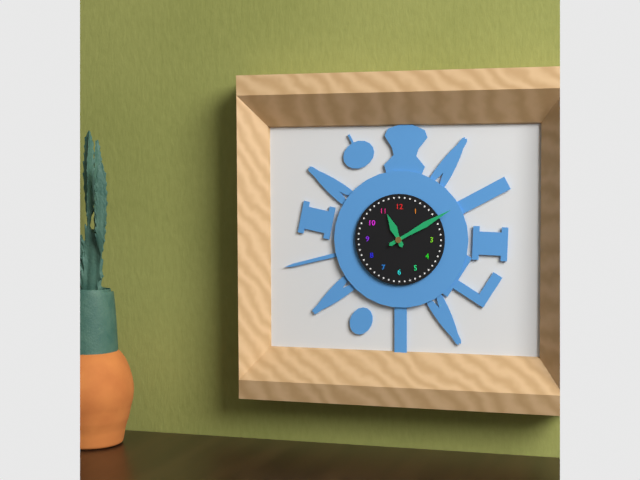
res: 11 h 10 min
